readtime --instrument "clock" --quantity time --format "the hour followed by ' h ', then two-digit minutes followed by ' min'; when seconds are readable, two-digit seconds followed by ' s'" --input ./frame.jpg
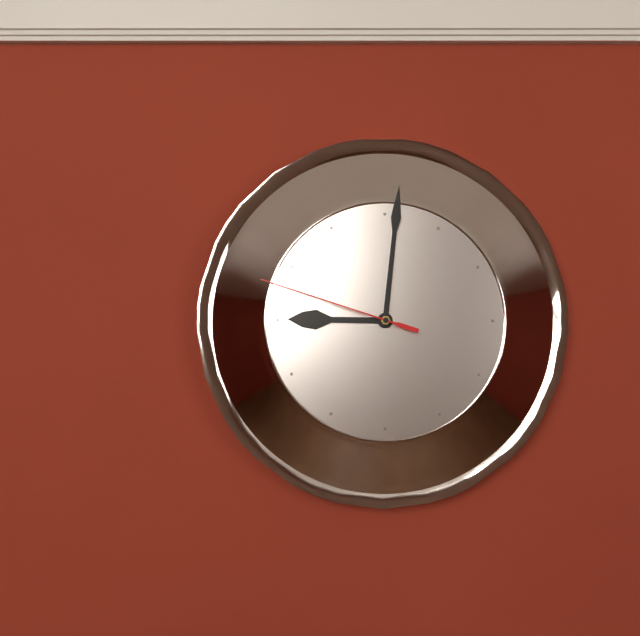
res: 9 h 01 min 48 s
